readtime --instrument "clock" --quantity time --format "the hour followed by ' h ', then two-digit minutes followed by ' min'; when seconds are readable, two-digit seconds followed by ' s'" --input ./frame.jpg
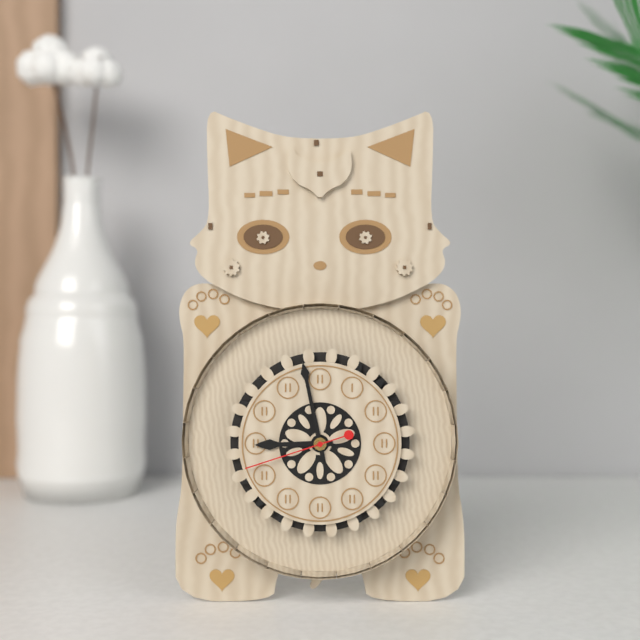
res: 8 h 58 min 42 s
